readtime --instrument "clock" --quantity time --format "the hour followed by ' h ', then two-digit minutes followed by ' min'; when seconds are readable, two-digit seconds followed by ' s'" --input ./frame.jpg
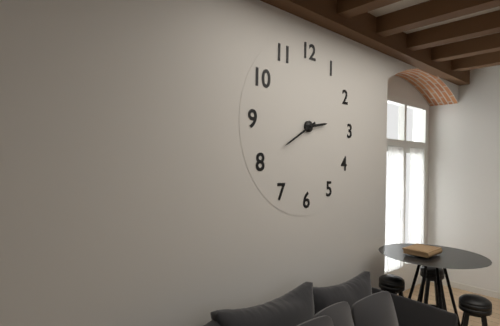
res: 2 h 40 min
